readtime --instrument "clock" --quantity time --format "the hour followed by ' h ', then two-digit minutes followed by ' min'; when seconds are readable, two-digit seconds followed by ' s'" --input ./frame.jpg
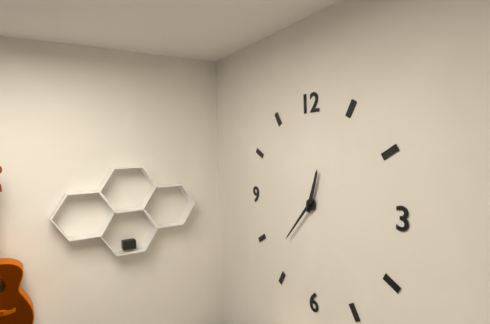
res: 12 h 37 min
